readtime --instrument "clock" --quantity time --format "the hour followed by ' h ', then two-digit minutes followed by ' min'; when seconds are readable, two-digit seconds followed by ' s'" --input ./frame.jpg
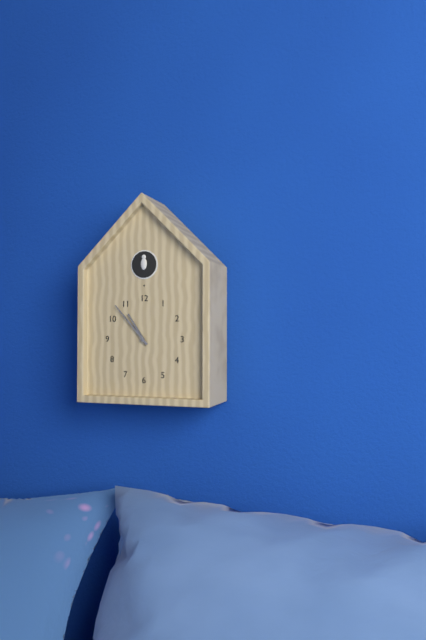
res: 10 h 53 min
